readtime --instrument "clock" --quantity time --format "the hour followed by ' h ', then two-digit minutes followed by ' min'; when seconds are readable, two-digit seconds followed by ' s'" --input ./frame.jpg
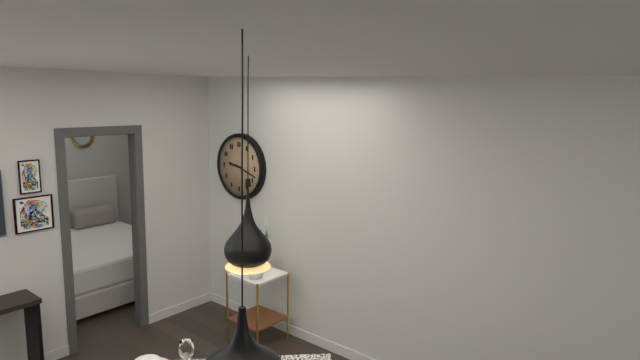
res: 9 h 18 min
